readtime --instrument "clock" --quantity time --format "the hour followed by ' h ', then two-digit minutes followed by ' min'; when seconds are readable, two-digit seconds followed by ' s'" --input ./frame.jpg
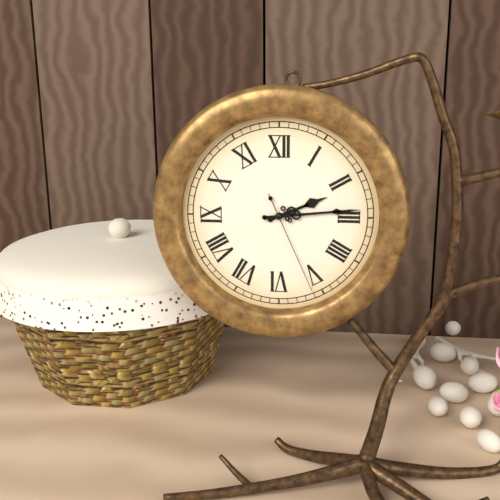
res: 2 h 14 min 26 s
